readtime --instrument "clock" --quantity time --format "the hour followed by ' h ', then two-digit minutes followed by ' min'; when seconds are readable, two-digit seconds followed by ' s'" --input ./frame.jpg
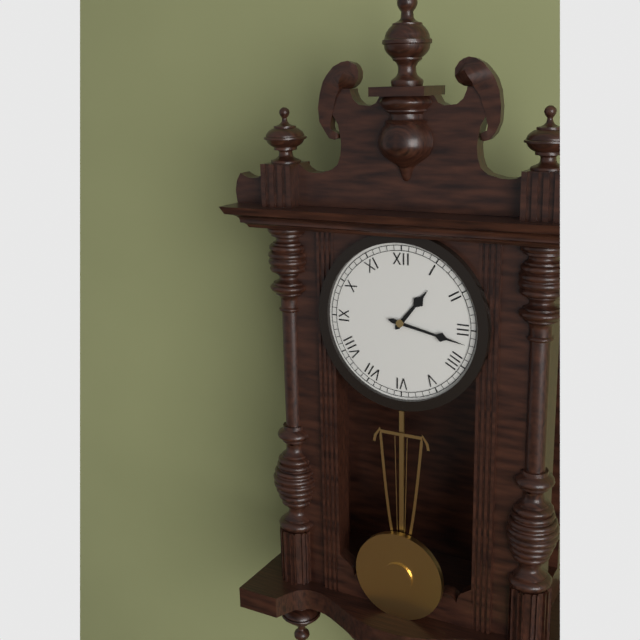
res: 1 h 17 min
